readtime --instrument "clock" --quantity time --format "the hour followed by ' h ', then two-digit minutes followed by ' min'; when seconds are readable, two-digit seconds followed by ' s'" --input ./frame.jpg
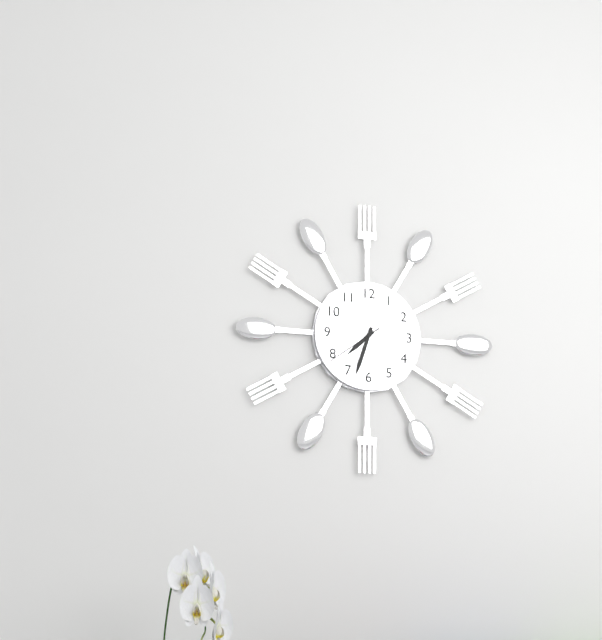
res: 7 h 33 min 39 s
